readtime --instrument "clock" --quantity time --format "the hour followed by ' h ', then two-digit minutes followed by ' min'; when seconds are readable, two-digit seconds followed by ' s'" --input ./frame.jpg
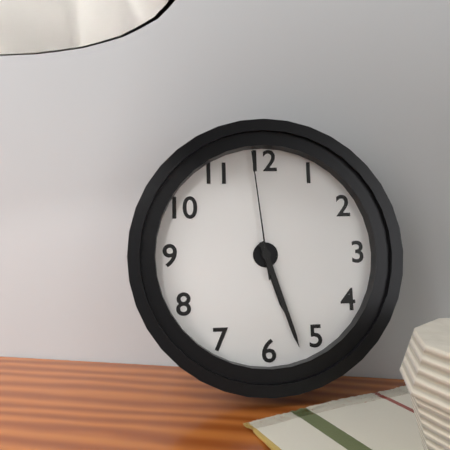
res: 5 h 27 min 59 s
